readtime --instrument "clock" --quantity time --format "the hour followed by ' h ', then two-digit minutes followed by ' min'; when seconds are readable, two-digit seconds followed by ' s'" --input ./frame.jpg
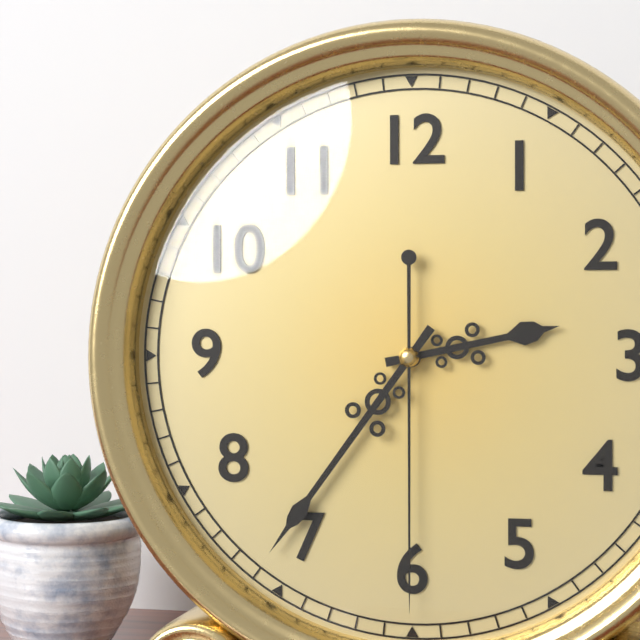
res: 2 h 36 min 30 s
